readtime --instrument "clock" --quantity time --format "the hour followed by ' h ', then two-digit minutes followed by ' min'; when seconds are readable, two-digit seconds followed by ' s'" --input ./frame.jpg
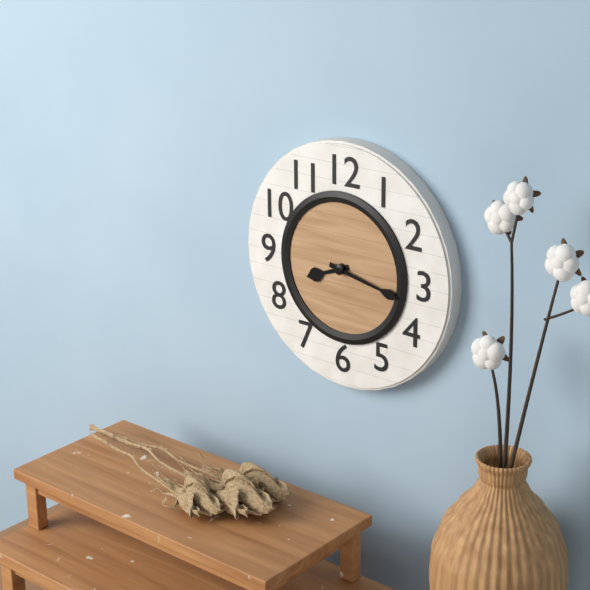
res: 8 h 17 min
